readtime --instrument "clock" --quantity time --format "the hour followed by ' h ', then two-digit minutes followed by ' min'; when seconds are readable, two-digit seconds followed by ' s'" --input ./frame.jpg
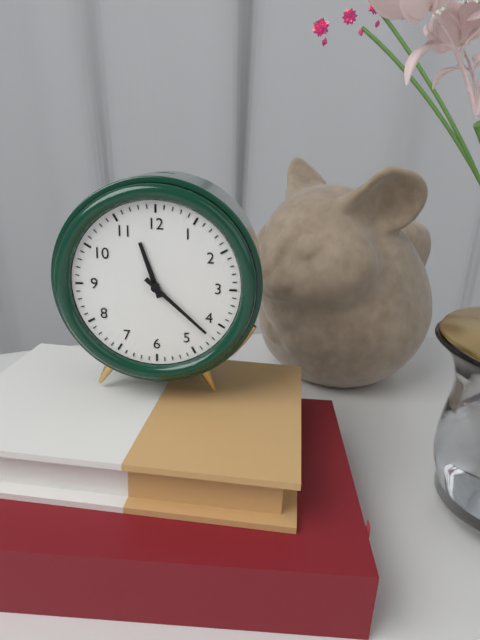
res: 11 h 22 min
